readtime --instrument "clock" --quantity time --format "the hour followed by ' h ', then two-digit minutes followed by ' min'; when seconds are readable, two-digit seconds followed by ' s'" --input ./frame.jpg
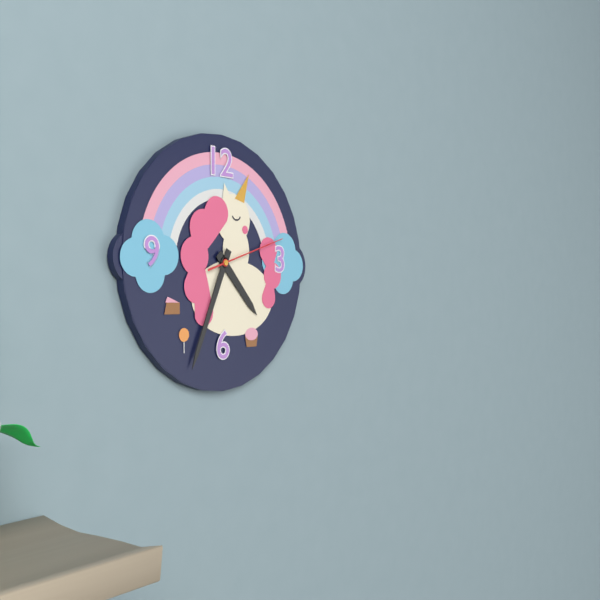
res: 4 h 34 min 12 s
